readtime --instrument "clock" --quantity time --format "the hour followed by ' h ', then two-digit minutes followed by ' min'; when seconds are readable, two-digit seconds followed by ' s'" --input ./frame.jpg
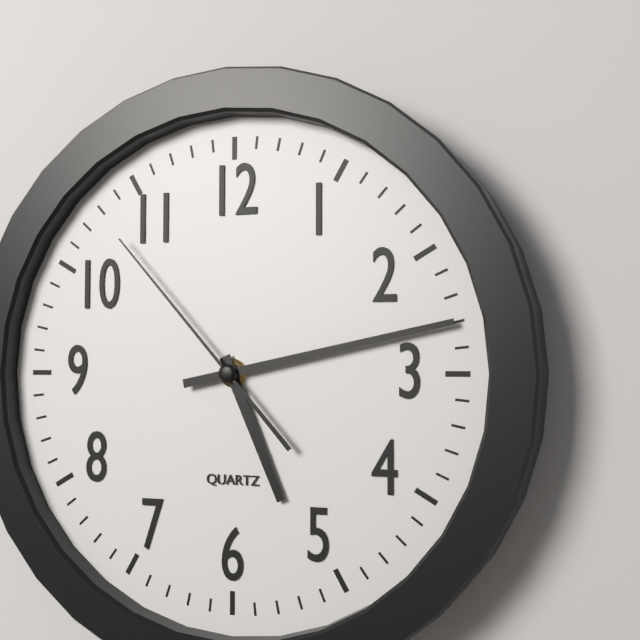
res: 5 h 13 min 53 s
